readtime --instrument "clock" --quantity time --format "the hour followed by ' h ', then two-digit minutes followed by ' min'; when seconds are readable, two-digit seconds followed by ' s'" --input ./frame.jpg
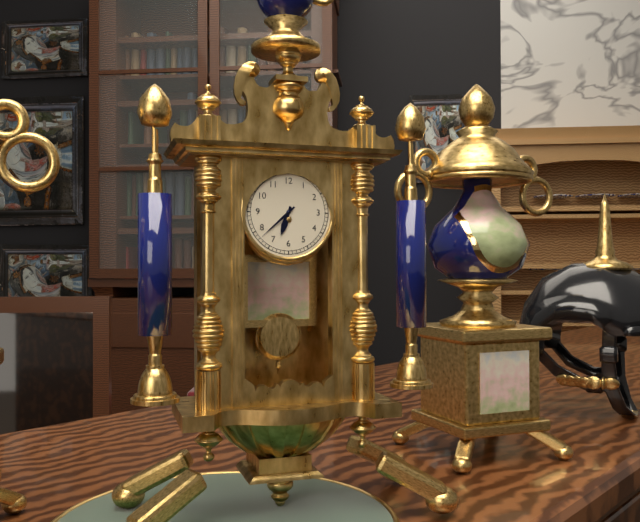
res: 6 h 38 min
